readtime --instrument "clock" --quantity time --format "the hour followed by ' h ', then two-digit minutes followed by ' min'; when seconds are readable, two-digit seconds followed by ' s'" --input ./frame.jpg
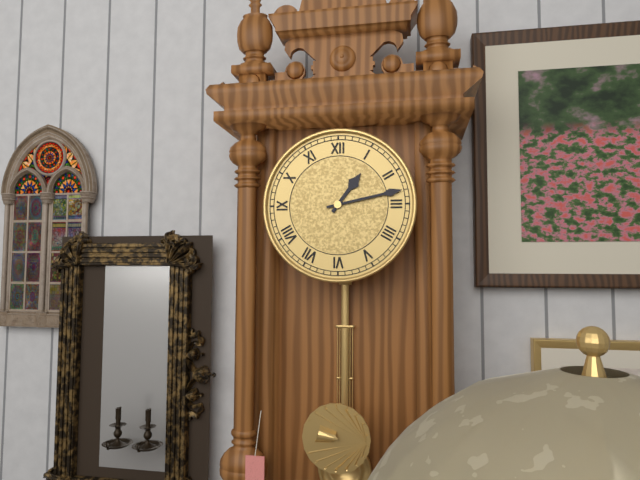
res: 1 h 13 min
